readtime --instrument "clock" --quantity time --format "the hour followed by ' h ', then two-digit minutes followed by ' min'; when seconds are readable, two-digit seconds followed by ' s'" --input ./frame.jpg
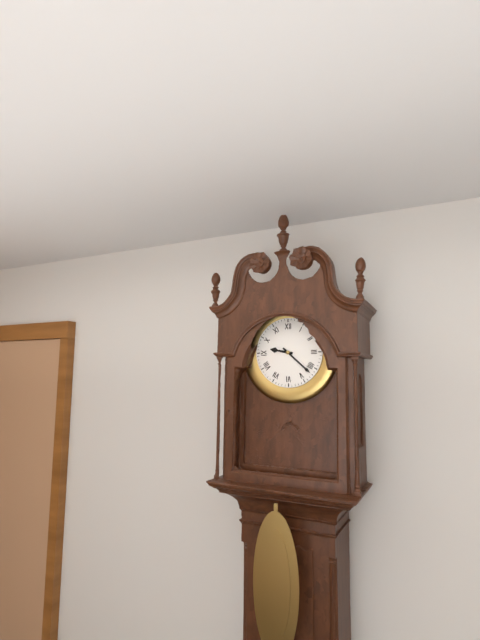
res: 9 h 22 min
